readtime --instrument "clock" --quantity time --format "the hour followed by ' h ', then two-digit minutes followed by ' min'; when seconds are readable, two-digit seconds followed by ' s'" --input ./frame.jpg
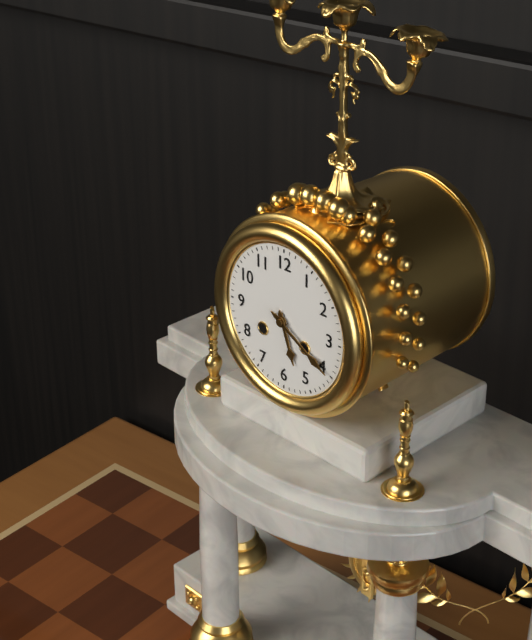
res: 5 h 20 min
